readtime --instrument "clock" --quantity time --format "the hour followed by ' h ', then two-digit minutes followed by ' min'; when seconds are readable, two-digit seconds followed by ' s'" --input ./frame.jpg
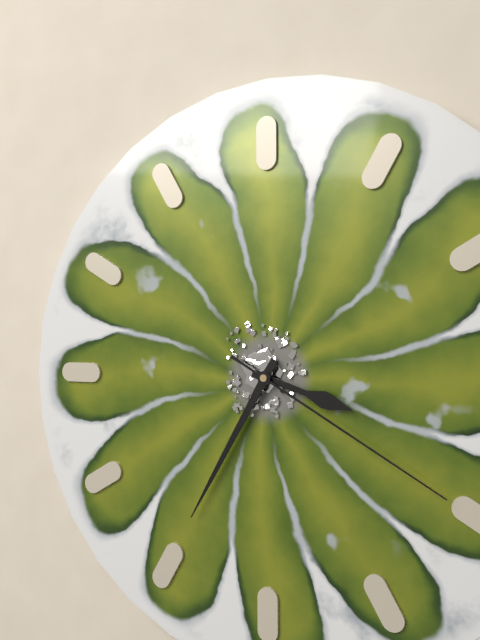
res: 3 h 35 min 20 s
